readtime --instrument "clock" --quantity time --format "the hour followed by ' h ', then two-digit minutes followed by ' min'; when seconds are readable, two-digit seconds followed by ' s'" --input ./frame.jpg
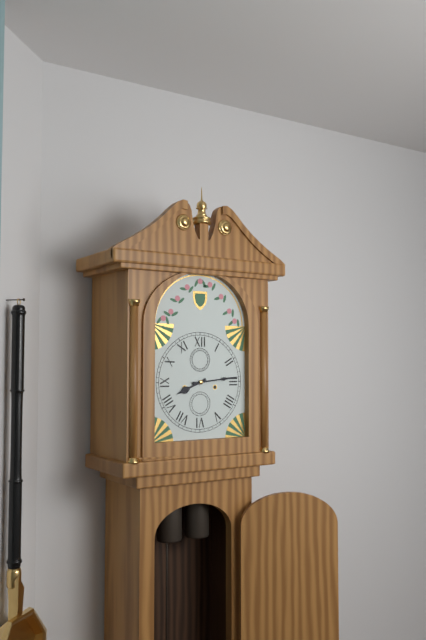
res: 8 h 14 min
